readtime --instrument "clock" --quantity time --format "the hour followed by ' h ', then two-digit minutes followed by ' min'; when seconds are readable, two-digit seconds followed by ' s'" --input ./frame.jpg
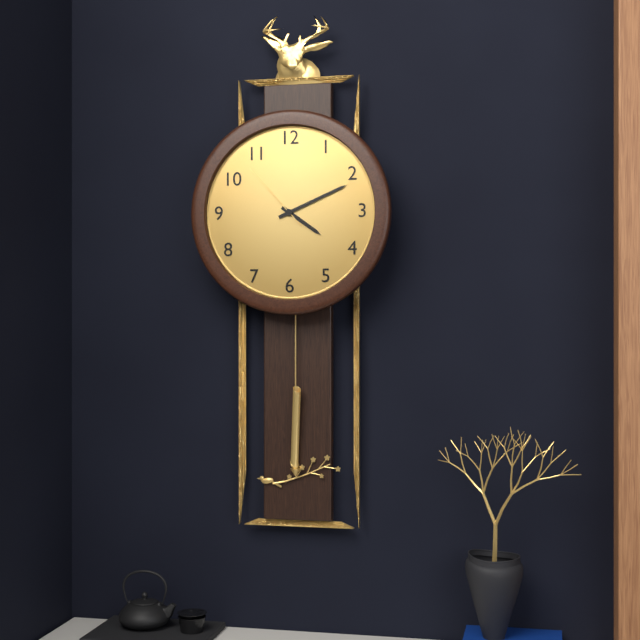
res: 4 h 11 min 53 s
